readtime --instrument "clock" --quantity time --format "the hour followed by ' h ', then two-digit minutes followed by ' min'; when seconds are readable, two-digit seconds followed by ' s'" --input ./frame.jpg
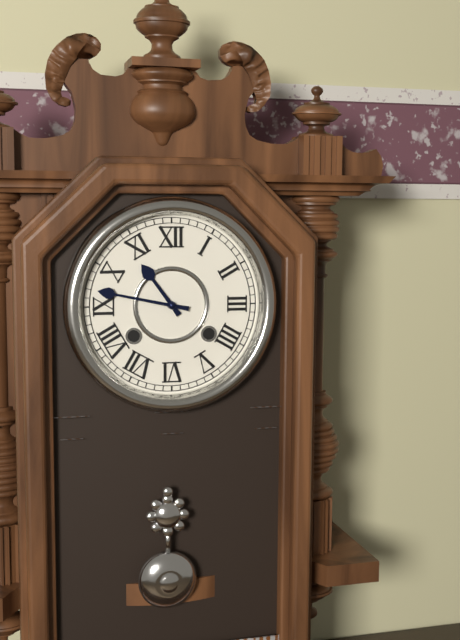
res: 10 h 47 min
